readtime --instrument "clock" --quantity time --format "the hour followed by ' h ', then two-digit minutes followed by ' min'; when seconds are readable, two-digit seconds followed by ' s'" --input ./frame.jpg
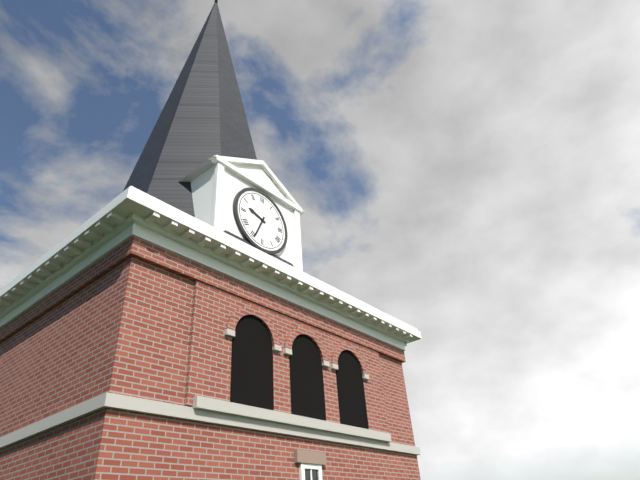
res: 9 h 34 min
